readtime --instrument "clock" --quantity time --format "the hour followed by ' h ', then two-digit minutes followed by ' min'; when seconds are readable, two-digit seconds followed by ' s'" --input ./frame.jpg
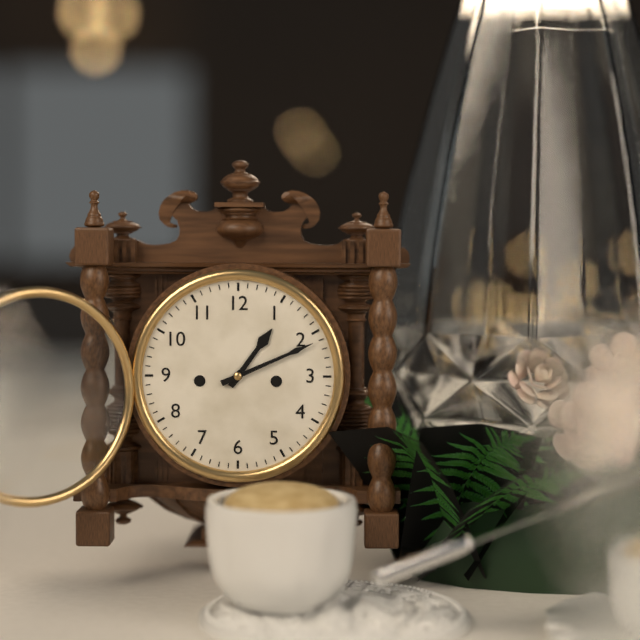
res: 1 h 11 min
